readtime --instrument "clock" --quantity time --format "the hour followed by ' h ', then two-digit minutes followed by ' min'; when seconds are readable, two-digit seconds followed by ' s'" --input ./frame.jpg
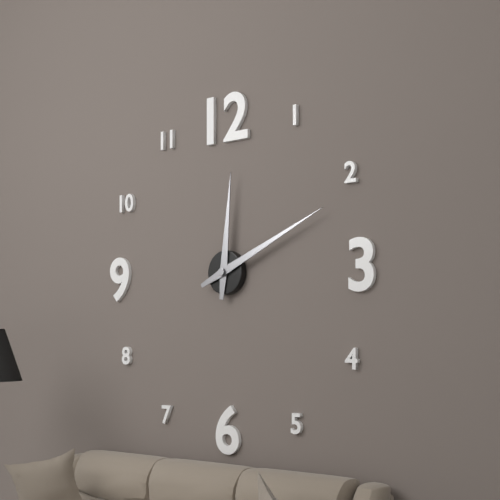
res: 12 h 11 min
